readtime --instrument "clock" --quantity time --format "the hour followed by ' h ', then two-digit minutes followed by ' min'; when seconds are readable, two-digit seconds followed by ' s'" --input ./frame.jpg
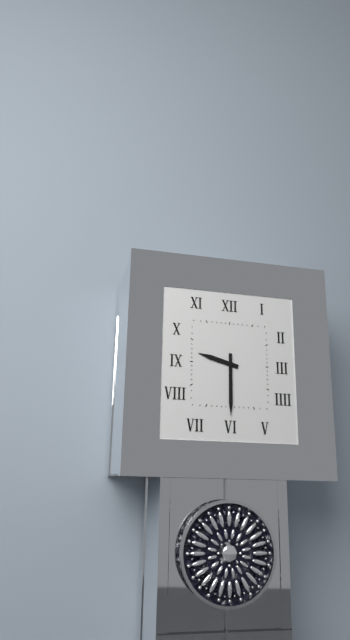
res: 9 h 30 min
